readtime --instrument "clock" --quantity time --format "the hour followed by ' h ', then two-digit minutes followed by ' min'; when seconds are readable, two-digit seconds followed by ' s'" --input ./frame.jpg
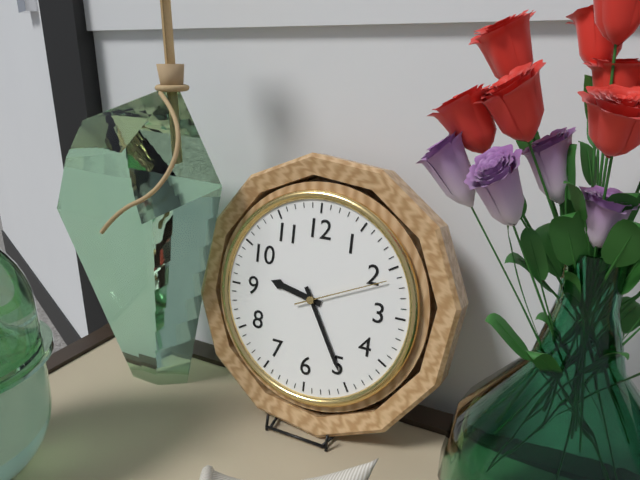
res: 9 h 25 min 11 s
